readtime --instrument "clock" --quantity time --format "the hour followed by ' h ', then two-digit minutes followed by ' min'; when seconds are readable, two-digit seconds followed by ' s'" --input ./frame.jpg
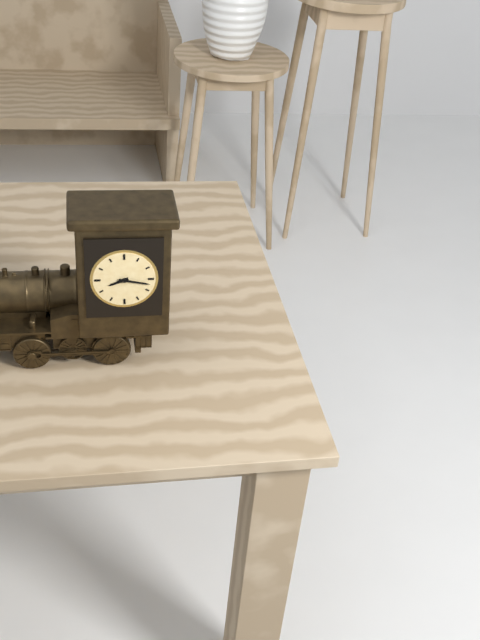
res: 8 h 17 min
